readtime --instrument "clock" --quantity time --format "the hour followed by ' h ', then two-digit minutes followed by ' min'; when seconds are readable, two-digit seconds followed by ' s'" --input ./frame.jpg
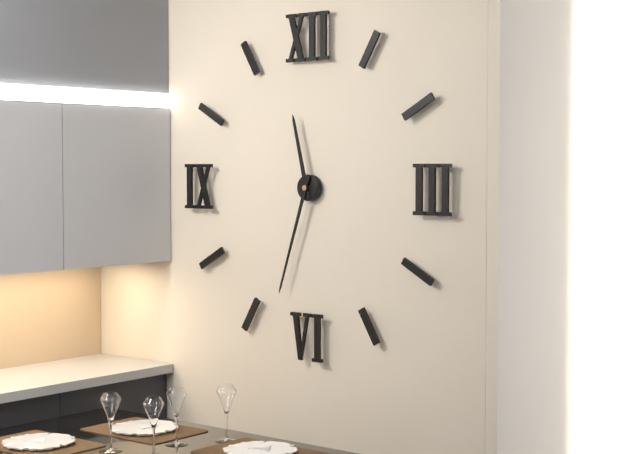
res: 11 h 33 min
